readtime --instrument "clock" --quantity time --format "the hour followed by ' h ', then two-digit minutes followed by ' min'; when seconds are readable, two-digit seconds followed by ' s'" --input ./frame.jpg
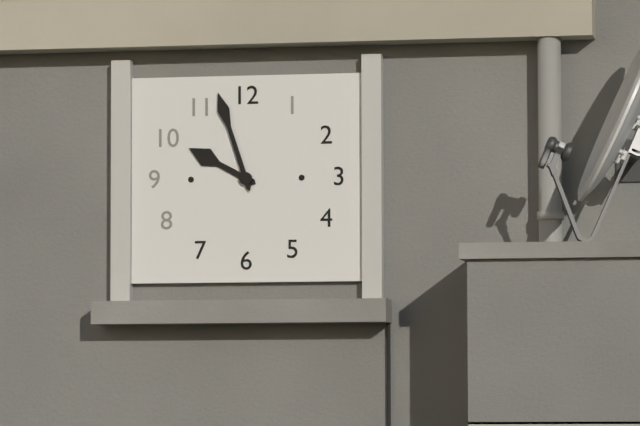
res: 9 h 57 min
